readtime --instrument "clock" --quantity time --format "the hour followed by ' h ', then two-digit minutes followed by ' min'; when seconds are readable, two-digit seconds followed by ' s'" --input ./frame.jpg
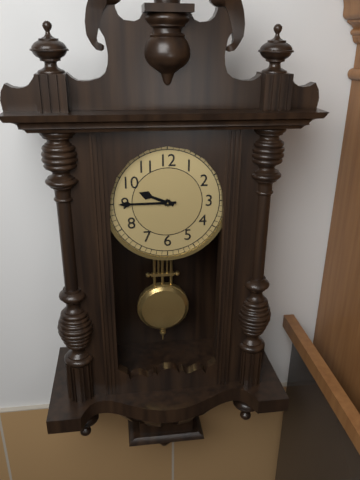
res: 9 h 45 min
